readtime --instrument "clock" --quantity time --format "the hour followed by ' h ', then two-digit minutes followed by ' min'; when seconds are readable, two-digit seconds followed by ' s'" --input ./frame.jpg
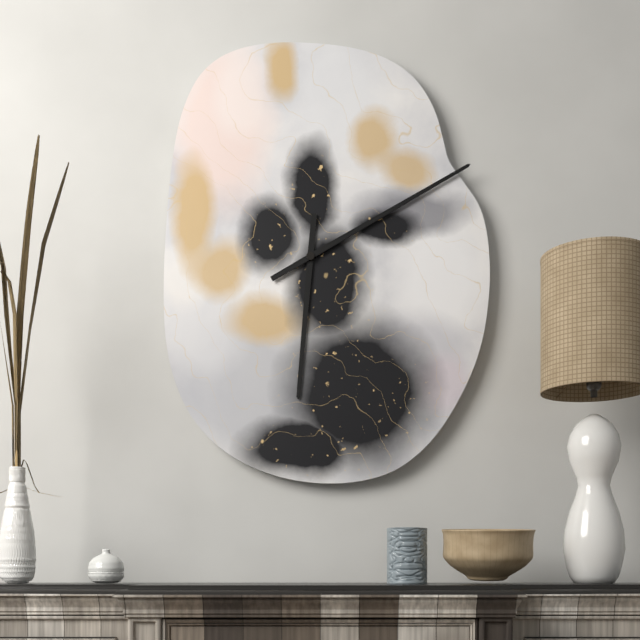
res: 6 h 10 min
